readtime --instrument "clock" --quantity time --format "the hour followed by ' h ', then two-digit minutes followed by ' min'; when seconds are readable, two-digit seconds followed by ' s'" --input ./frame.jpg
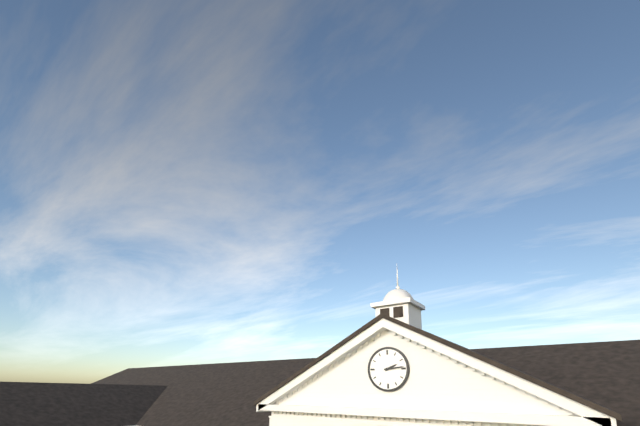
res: 2 h 14 min
